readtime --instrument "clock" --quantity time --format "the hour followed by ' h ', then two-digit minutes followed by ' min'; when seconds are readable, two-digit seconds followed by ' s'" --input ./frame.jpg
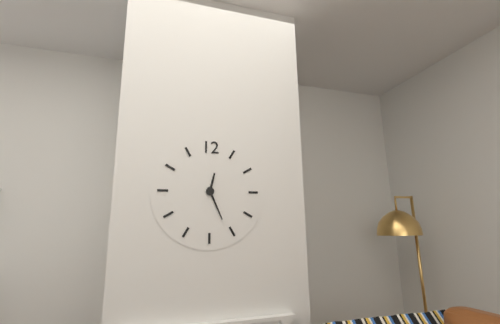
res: 12 h 26 min
